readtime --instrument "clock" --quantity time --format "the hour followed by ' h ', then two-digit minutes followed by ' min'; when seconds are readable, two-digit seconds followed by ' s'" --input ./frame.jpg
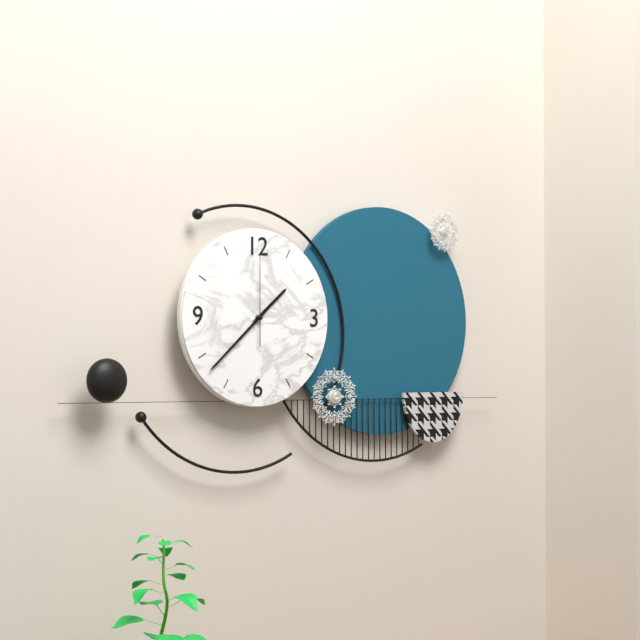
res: 1 h 38 min 00 s
